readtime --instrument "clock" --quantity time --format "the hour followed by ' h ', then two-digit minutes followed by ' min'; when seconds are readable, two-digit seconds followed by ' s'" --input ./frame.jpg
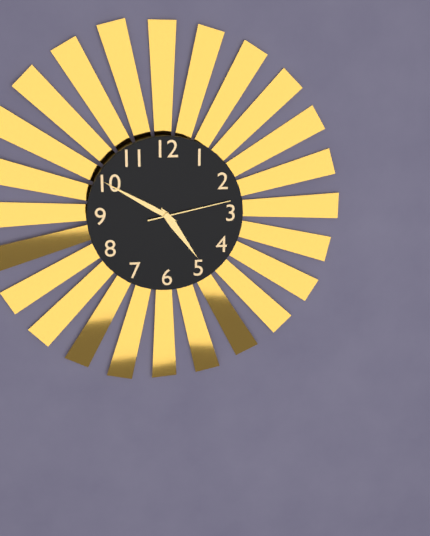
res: 4 h 50 min 13 s
